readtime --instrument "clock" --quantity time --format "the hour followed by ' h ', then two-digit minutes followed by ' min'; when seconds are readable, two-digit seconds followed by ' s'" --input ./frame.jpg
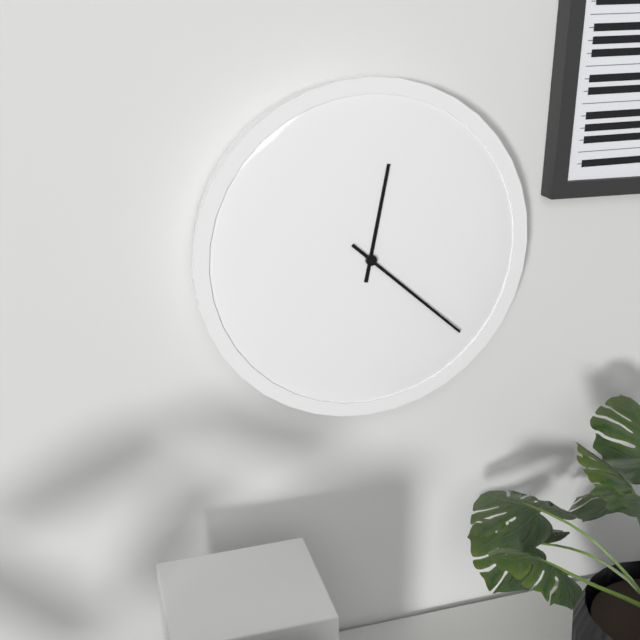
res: 12 h 22 min
